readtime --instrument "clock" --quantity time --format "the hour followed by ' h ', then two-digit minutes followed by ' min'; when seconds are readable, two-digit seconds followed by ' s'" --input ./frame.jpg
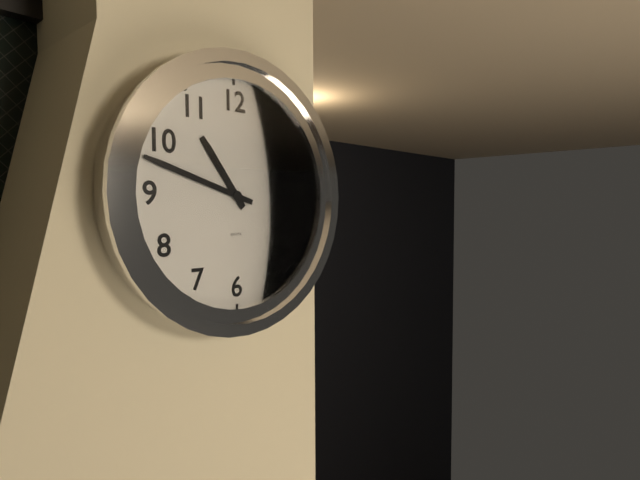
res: 10 h 48 min
